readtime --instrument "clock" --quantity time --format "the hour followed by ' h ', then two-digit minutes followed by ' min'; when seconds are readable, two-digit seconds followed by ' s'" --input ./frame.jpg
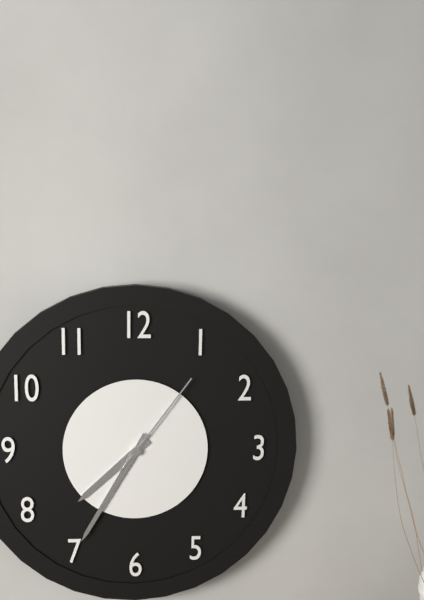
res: 7 h 35 min 06 s
